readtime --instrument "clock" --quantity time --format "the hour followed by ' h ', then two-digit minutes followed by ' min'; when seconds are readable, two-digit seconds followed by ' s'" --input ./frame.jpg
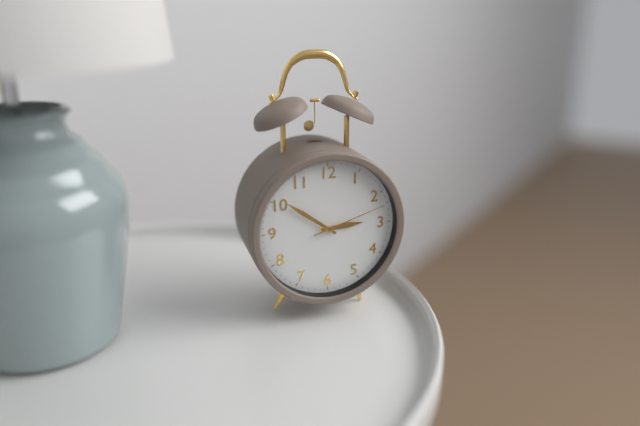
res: 2 h 51 min 12 s
